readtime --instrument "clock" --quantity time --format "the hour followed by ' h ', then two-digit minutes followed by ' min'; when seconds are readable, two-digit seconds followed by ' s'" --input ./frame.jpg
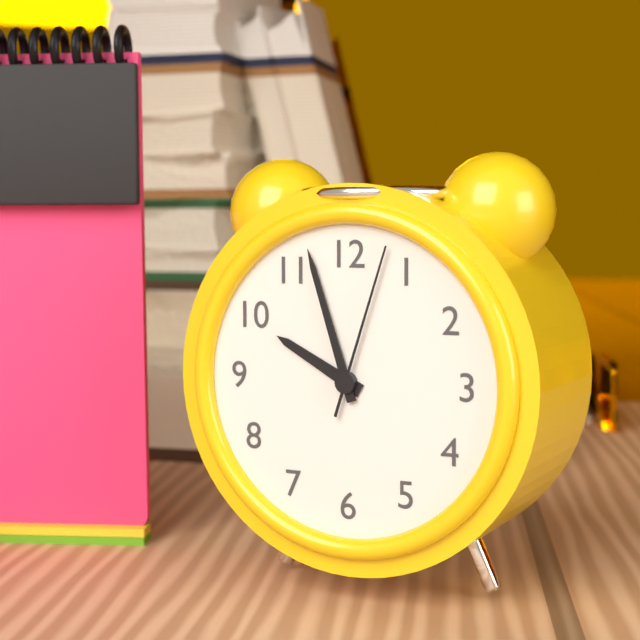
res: 9 h 57 min 03 s
